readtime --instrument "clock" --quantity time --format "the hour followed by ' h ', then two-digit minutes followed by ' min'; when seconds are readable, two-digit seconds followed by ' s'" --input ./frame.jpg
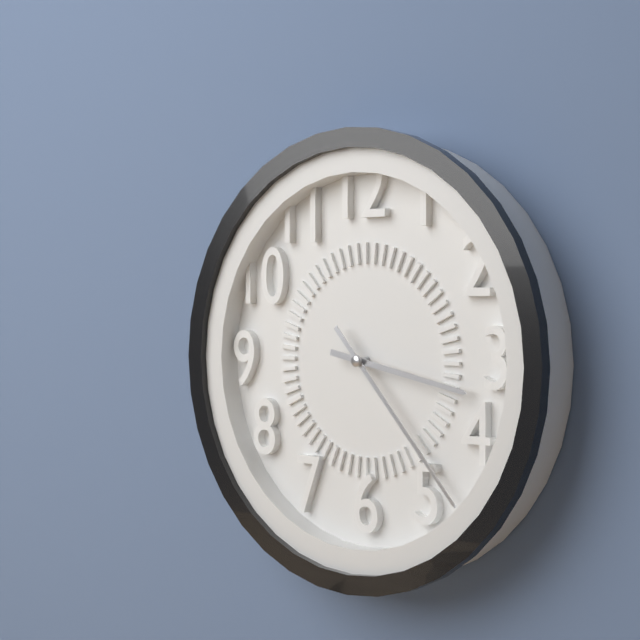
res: 3 h 23 min
